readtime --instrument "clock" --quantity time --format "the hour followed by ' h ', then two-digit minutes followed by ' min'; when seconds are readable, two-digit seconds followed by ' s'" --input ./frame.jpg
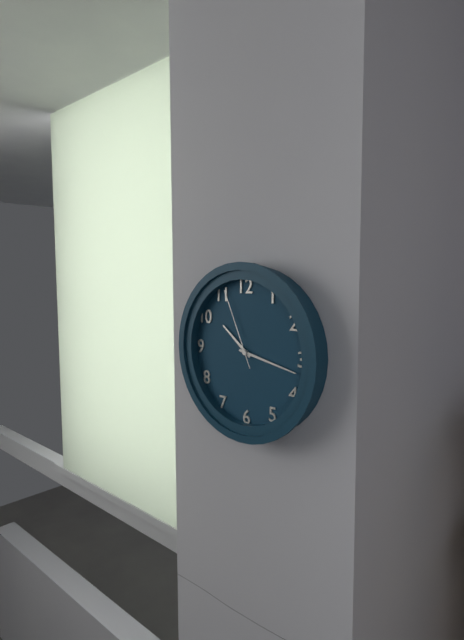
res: 10 h 17 min 56 s
